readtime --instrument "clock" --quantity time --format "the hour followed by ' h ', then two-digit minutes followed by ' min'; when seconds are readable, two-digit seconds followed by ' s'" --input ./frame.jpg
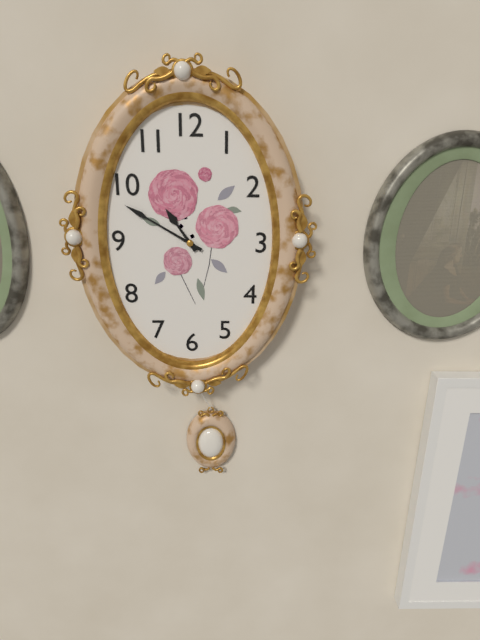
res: 10 h 50 min
